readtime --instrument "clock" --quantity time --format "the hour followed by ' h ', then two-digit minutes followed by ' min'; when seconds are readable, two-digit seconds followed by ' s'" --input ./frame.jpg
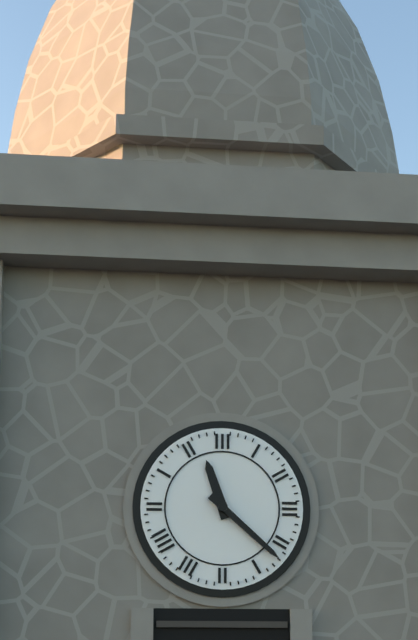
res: 11 h 22 min
